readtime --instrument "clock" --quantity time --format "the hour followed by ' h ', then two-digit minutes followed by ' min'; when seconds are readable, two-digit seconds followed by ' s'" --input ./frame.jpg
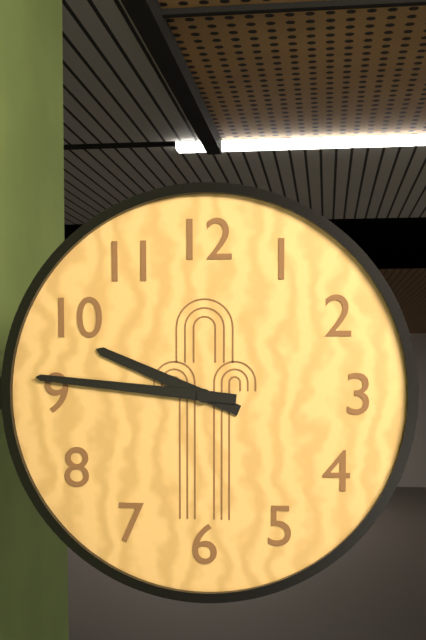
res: 9 h 46 min
